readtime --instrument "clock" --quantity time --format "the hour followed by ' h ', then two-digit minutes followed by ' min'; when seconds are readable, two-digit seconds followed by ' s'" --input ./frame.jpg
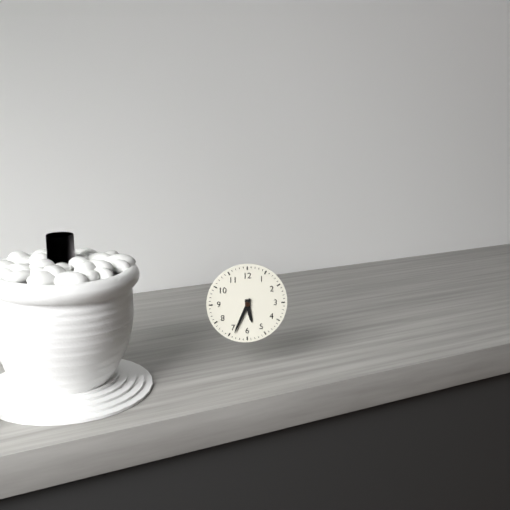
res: 5 h 34 min
